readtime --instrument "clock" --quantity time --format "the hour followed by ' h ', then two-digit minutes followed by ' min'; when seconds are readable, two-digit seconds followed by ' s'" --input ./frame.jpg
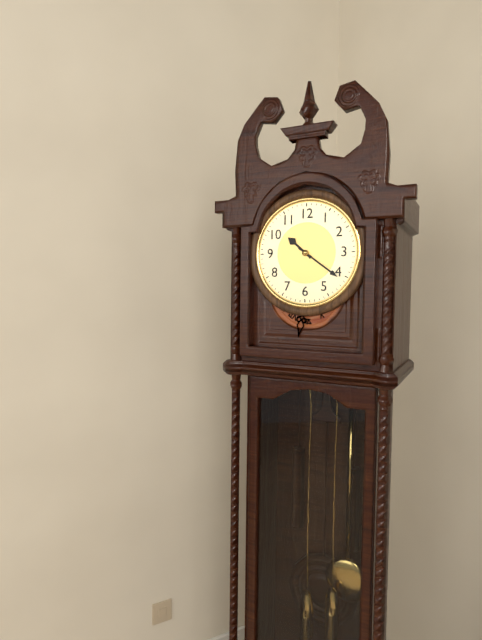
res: 10 h 21 min
